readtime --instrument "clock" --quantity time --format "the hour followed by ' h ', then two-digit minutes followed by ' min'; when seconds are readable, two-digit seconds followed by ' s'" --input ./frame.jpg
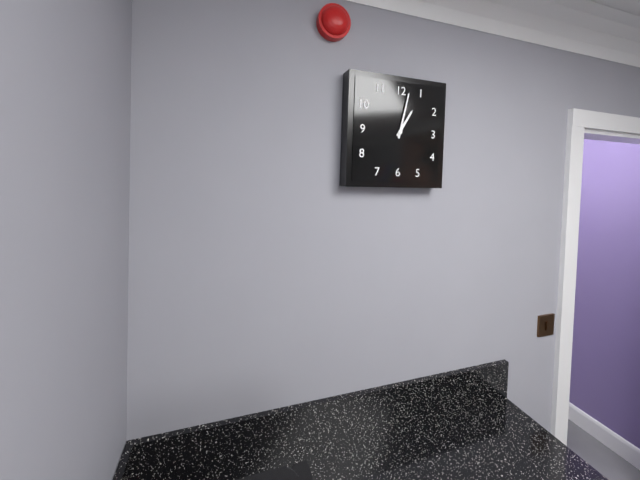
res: 1 h 02 min
